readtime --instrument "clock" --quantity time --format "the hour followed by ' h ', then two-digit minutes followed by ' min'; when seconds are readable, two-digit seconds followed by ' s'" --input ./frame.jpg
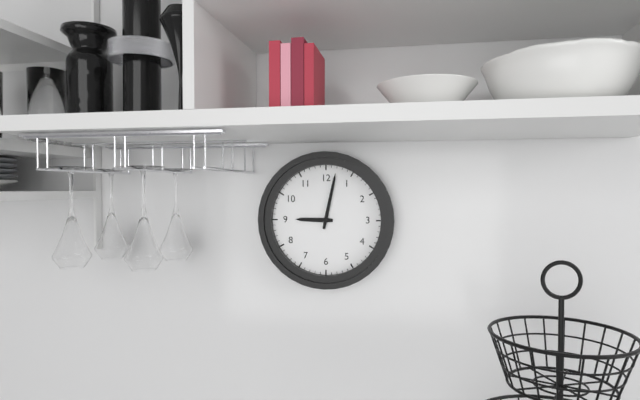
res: 9 h 02 min
